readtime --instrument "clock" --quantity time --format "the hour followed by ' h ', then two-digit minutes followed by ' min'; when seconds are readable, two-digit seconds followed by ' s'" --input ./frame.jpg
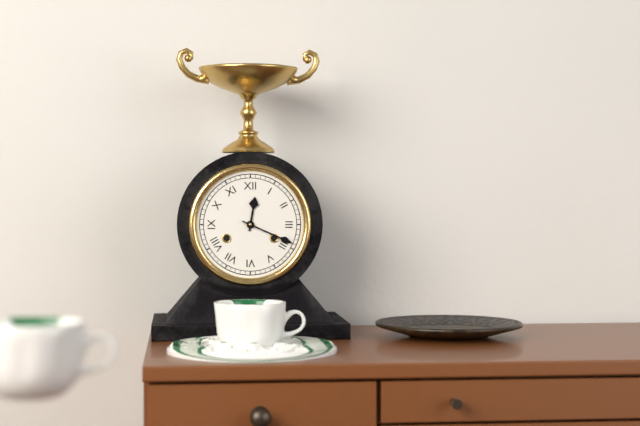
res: 12 h 19 min
